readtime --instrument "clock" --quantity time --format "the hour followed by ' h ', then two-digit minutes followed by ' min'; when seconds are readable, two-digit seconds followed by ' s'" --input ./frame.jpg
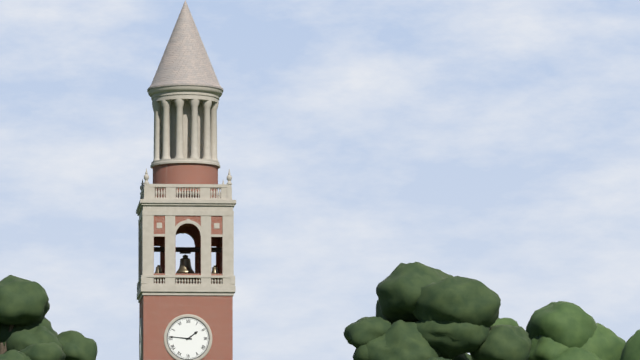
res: 1 h 46 min
